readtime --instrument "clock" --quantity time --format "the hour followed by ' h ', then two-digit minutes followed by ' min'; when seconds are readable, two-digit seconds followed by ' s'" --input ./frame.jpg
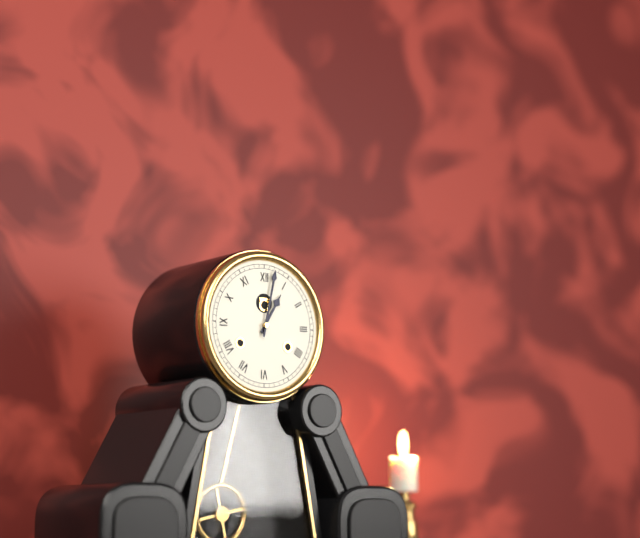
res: 1 h 02 min
